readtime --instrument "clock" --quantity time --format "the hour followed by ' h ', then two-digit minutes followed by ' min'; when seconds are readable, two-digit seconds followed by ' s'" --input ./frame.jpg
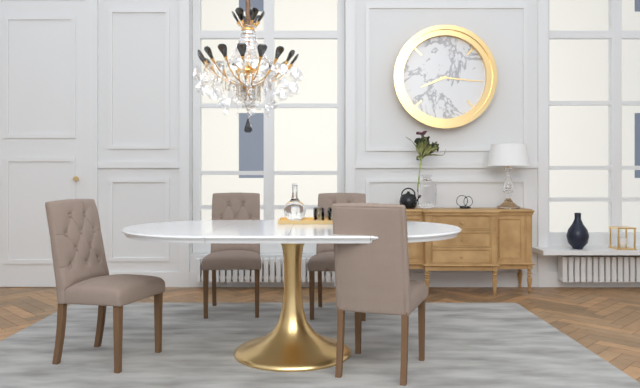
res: 8 h 16 min
